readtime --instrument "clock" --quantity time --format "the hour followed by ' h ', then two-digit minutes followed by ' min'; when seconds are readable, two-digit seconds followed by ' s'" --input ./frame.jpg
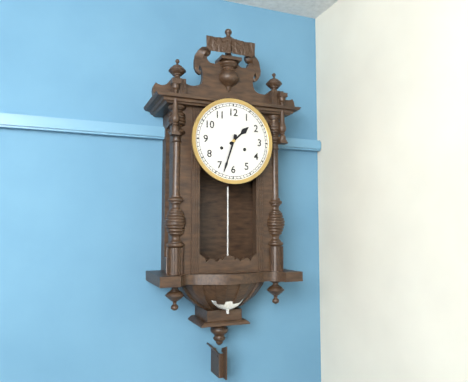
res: 1 h 33 min
